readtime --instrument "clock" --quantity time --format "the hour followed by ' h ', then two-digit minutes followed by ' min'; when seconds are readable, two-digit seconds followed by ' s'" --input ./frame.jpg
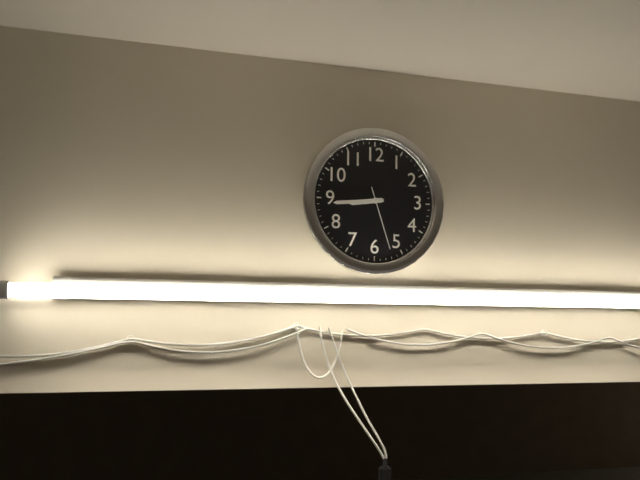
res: 8 h 44 min 27 s
